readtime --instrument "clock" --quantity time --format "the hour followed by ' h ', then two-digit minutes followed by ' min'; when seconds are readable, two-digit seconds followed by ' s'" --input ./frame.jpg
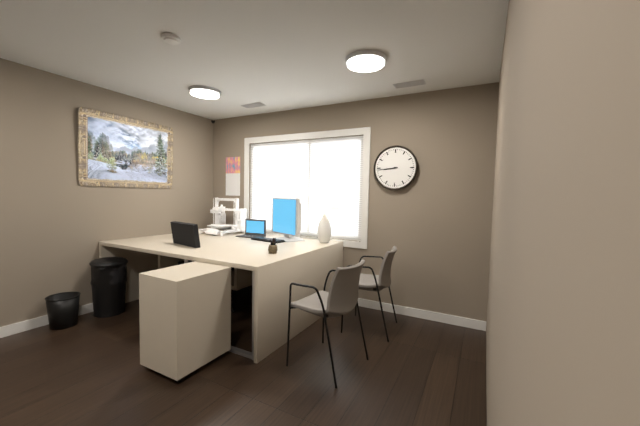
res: 8 h 44 min
